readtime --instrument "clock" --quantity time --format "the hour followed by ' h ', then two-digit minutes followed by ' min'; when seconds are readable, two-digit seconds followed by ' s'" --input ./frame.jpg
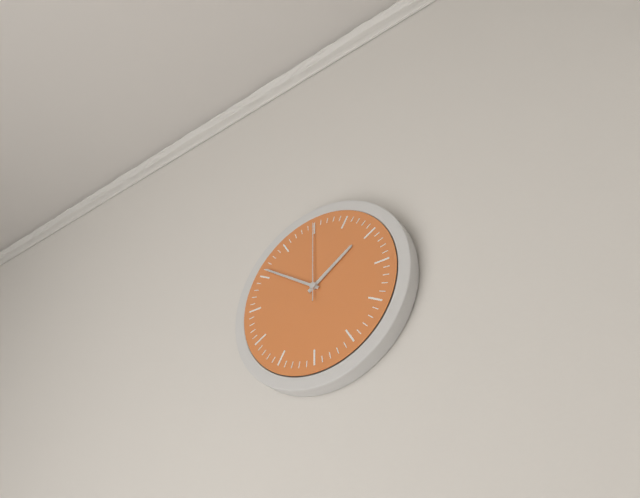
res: 1 h 51 min 00 s
